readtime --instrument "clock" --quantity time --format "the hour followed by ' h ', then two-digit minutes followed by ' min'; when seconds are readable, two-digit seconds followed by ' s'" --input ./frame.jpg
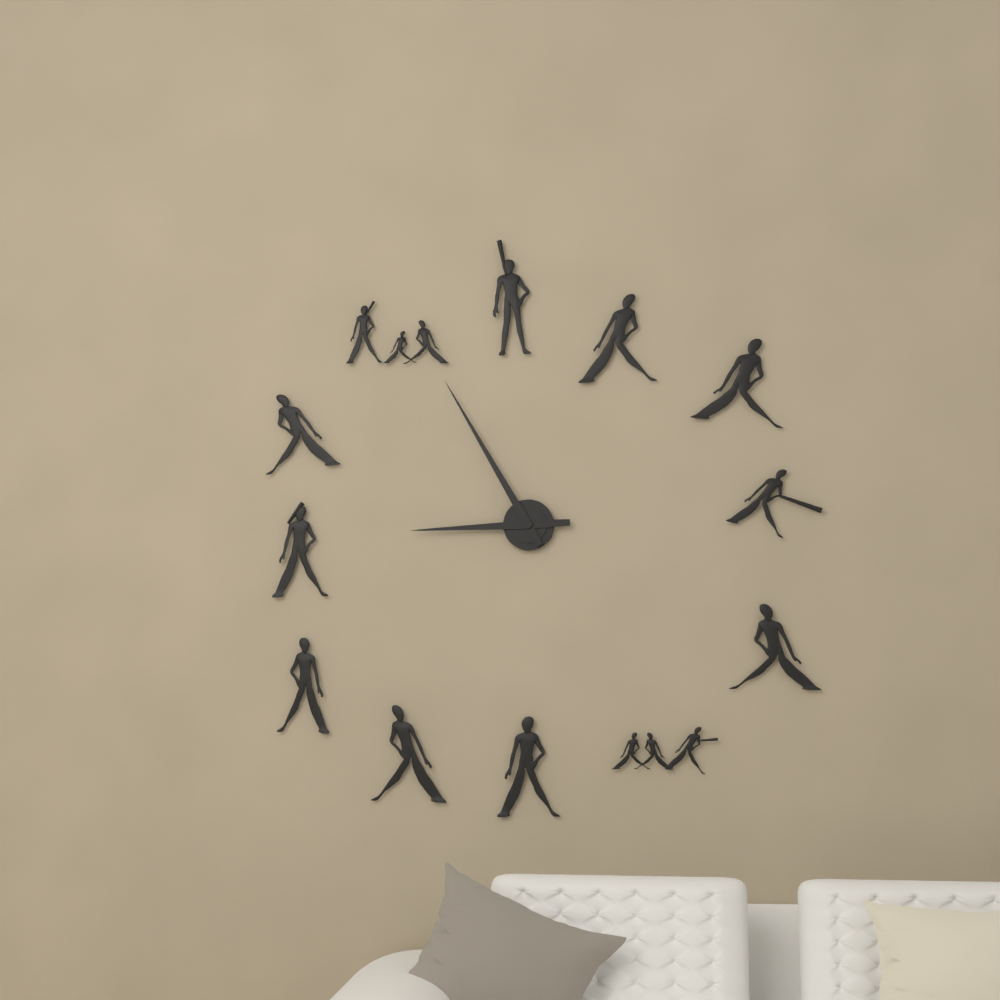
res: 8 h 55 min
